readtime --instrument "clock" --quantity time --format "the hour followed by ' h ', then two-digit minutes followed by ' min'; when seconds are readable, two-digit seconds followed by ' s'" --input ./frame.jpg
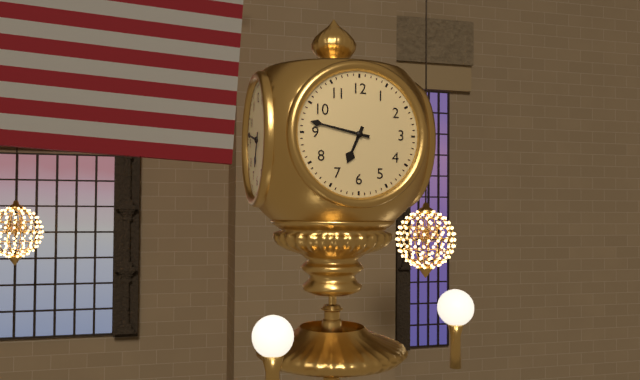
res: 6 h 47 min
